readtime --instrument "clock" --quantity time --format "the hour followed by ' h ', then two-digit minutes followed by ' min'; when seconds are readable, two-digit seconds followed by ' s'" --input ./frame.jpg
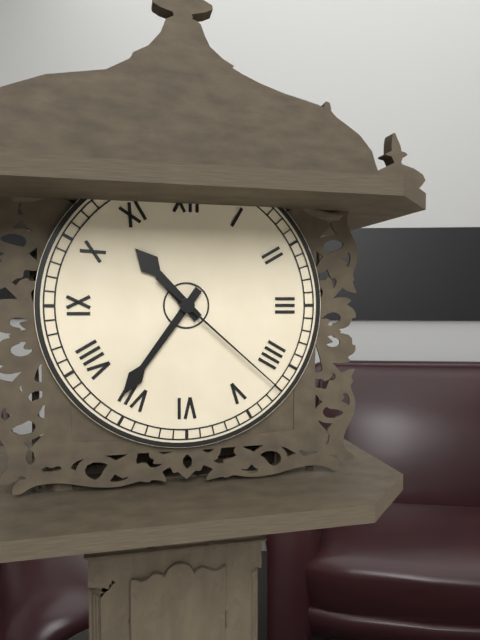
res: 10 h 36 min 22 s
